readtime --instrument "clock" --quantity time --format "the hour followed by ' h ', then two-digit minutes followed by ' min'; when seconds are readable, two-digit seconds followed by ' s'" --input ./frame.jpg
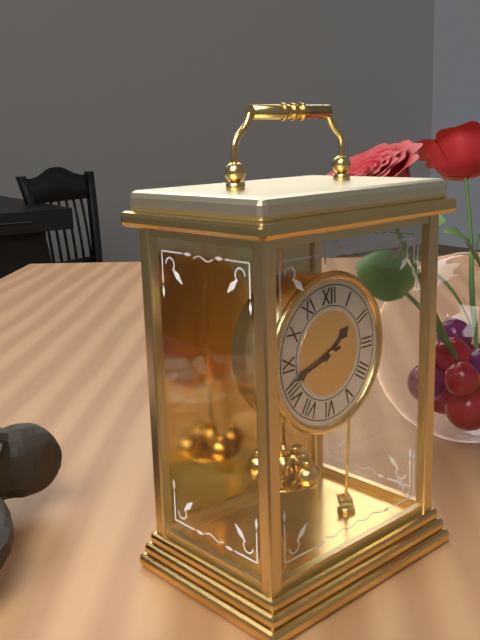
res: 1 h 42 min
